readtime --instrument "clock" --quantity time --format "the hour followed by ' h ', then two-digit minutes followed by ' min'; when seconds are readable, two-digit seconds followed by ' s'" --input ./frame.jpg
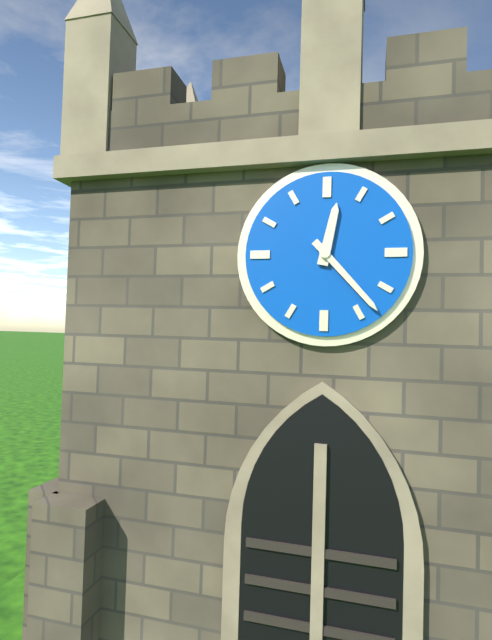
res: 12 h 23 min
